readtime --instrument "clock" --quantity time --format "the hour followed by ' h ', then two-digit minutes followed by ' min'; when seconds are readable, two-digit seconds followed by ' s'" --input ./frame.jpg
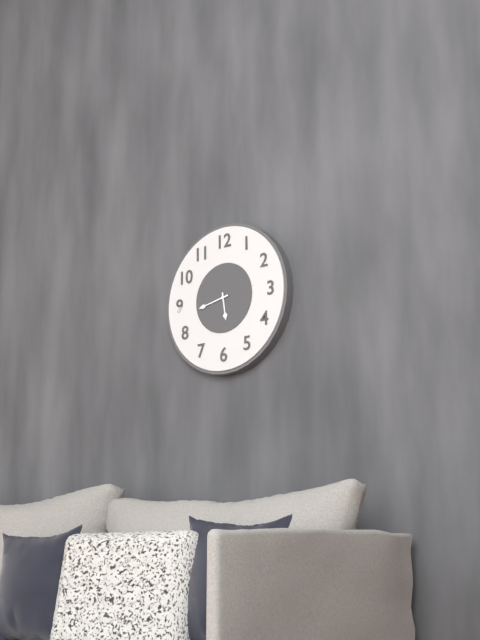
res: 5 h 43 min
